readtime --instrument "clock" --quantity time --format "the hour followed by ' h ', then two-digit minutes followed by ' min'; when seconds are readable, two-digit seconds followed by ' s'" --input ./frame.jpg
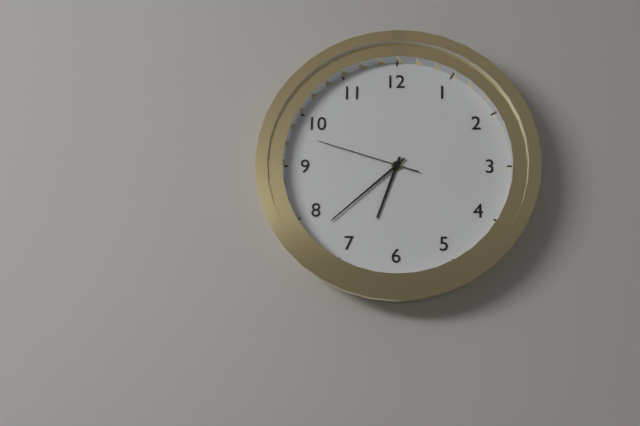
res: 6 h 38 min 48 s
